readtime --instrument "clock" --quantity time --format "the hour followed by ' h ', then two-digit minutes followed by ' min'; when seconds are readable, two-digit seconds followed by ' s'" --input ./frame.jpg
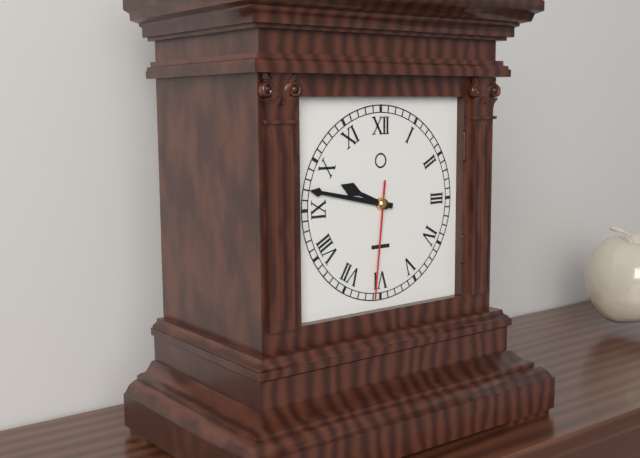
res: 9 h 47 min 31 s
